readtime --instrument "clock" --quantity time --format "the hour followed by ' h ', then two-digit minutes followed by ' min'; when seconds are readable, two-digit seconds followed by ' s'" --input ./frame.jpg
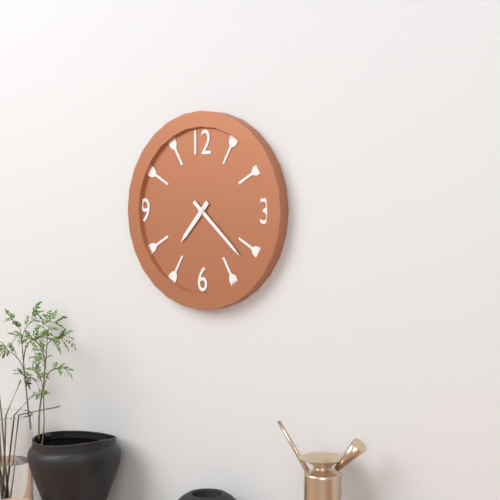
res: 7 h 22 min
